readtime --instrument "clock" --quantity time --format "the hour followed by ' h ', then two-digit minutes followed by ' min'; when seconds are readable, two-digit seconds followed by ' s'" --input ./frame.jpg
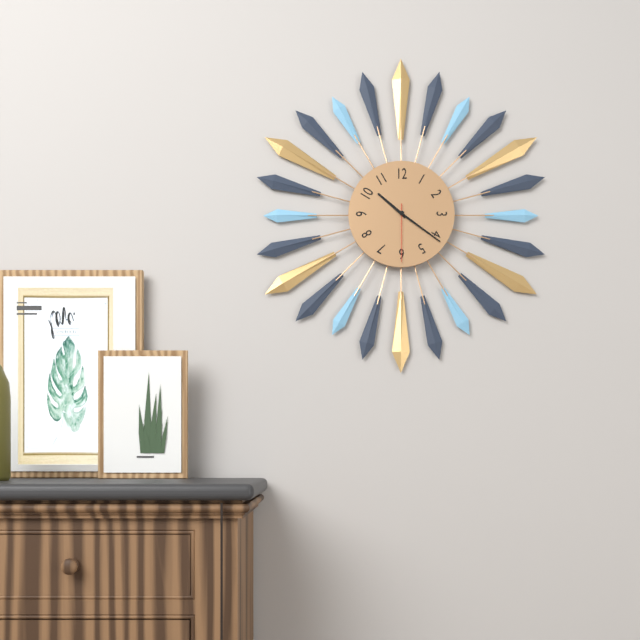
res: 10 h 21 min 30 s
